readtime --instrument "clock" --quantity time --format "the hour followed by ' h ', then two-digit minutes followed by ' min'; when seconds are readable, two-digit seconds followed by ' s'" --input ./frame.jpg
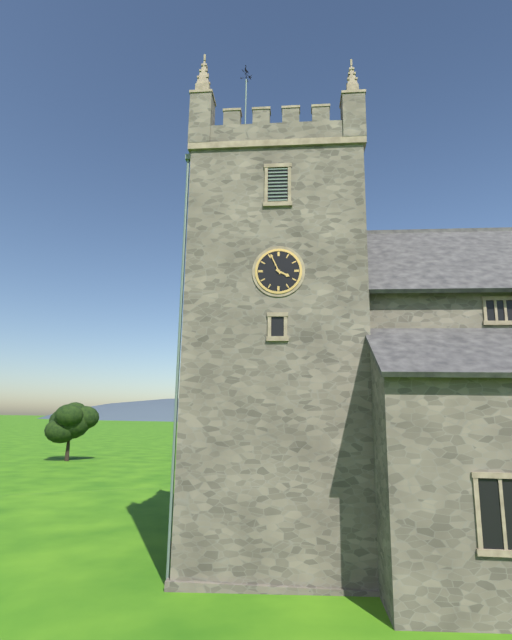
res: 3 h 56 min
